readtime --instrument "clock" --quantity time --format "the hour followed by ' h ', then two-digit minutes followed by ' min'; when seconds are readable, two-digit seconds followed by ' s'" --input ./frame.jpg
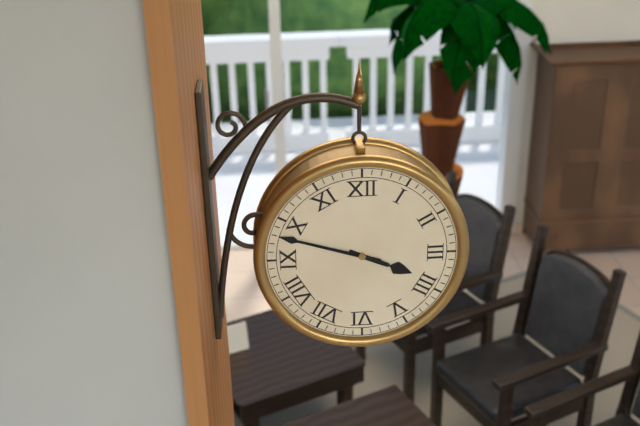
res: 3 h 48 min
